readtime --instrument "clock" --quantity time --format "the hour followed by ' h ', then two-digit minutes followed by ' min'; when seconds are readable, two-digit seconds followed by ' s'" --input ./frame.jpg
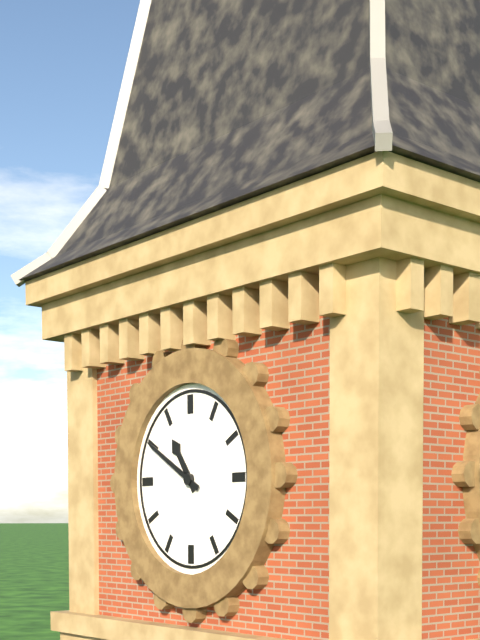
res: 10 h 50 min
